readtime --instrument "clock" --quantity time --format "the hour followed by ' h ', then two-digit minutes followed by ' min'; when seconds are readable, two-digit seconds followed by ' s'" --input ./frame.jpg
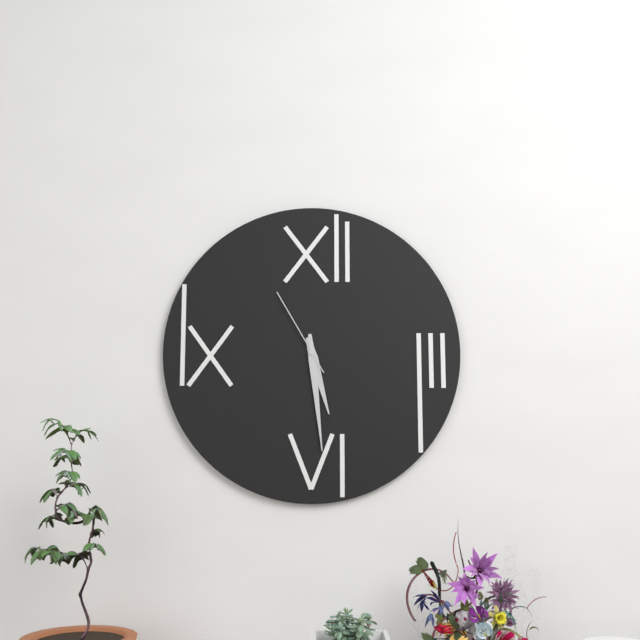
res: 5 h 29 min 55 s
